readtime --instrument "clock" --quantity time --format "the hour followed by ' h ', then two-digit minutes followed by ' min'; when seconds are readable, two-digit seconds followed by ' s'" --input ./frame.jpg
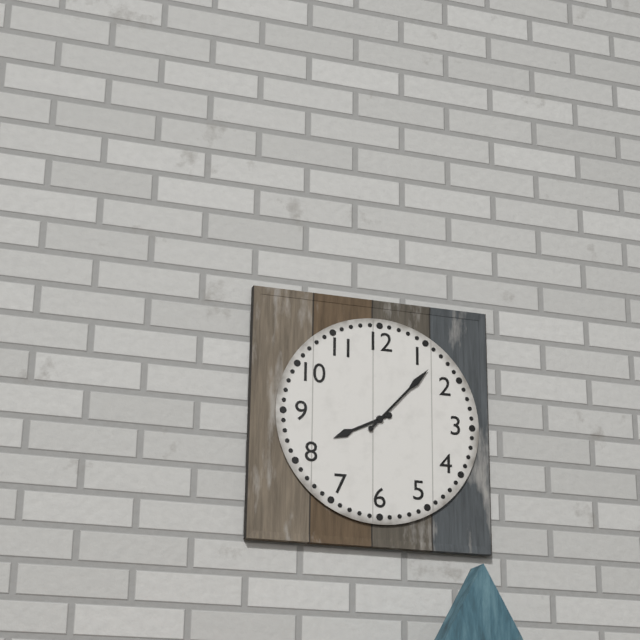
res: 8 h 07 min
